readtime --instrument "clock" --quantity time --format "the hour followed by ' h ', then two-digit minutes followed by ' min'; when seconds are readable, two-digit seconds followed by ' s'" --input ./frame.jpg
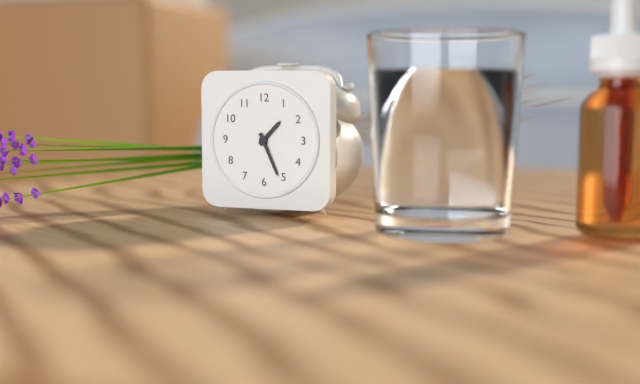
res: 1 h 26 min
